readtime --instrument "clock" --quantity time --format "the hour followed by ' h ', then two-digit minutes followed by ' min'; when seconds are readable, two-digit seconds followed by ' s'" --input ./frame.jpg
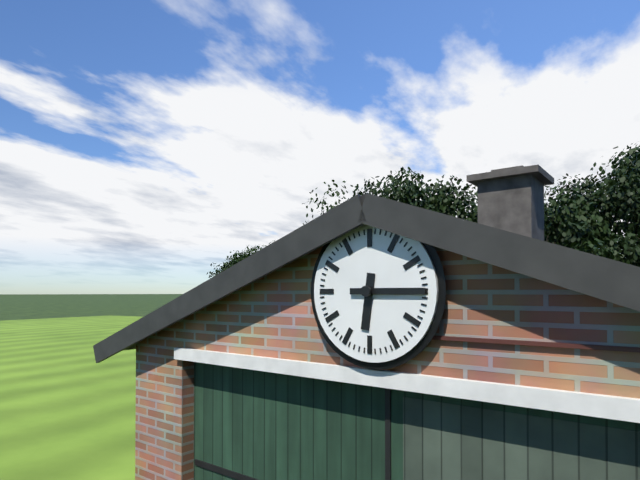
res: 6 h 15 min
